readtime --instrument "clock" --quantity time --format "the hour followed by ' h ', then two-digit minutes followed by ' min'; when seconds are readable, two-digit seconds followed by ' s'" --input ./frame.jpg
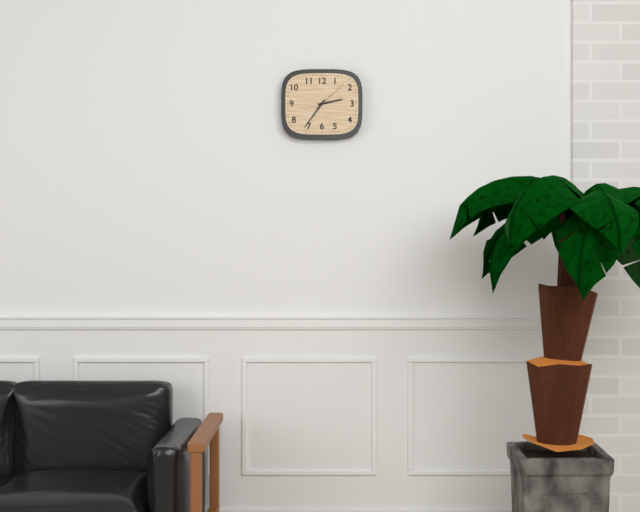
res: 2 h 36 min
